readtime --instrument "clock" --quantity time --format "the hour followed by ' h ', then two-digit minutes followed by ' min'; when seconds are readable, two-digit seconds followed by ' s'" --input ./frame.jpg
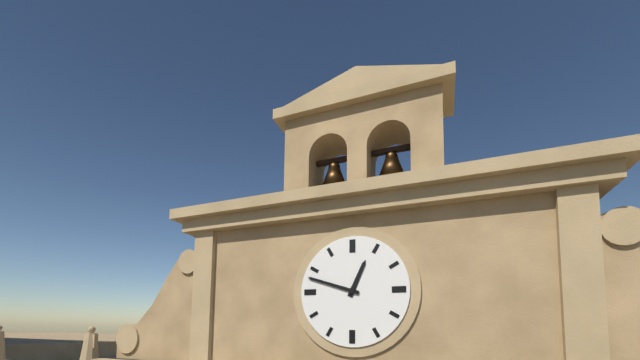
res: 12 h 48 min
